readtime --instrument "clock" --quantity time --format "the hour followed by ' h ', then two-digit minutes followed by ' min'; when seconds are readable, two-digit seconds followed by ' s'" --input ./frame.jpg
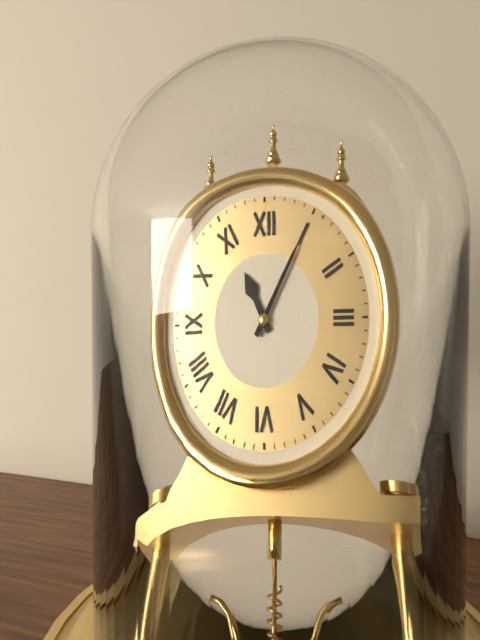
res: 11 h 05 min
